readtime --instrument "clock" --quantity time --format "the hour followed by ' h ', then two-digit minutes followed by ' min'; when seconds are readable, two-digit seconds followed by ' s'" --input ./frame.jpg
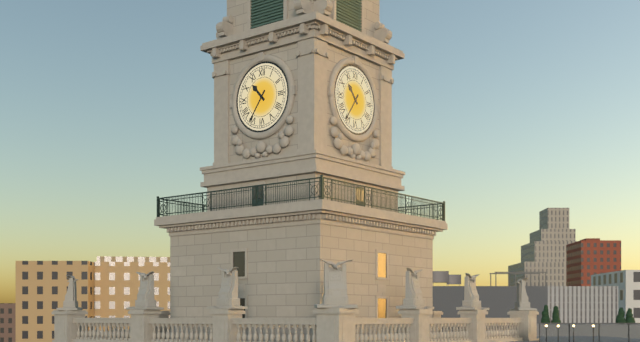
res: 10 h 36 min
